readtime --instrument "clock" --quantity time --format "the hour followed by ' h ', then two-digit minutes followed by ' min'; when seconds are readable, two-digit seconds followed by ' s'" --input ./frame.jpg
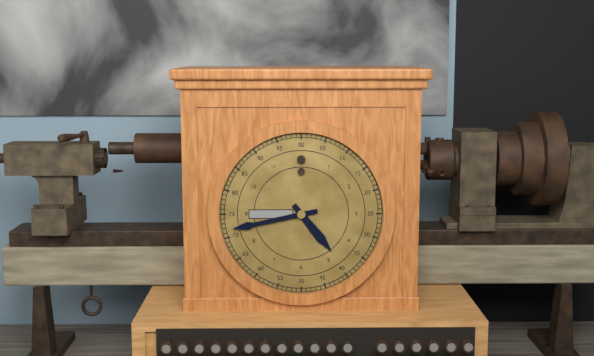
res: 4 h 43 min
